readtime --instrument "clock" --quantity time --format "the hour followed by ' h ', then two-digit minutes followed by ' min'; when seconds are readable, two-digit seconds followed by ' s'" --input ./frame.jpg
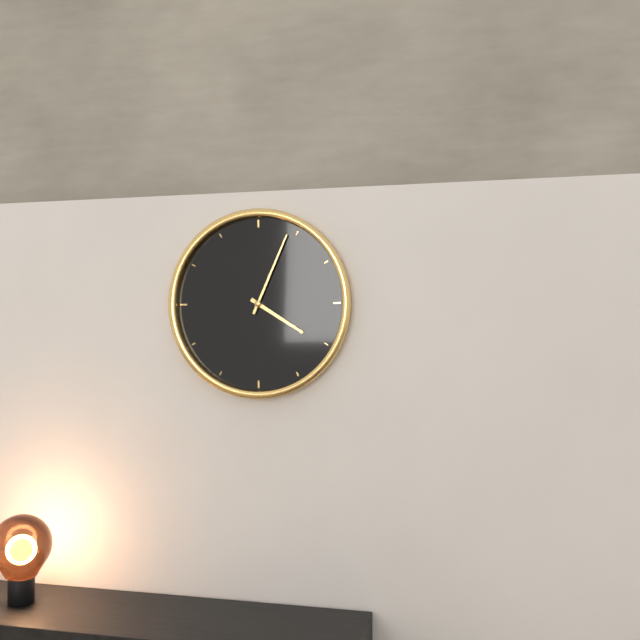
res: 4 h 04 min
